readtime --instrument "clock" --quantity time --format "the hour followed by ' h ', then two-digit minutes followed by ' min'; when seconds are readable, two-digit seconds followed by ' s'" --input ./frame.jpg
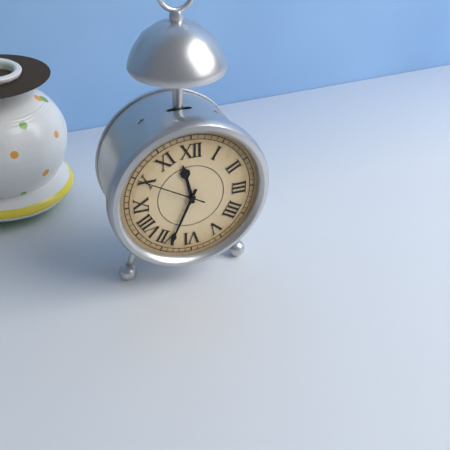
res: 11 h 34 min 50 s
